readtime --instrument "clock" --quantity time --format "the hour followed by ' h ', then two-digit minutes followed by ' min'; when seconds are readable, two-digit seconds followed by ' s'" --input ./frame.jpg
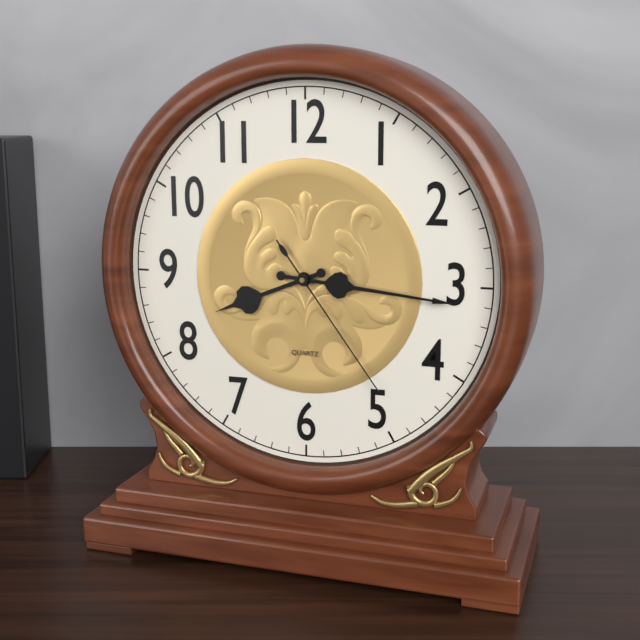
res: 8 h 16 min 24 s
